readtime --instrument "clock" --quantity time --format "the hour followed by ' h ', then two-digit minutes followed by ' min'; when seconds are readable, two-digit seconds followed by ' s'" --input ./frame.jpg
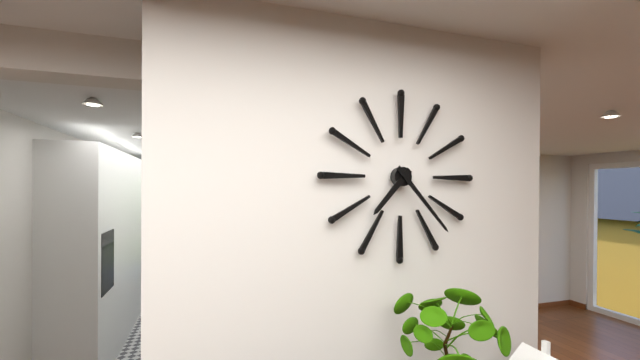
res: 7 h 23 min
